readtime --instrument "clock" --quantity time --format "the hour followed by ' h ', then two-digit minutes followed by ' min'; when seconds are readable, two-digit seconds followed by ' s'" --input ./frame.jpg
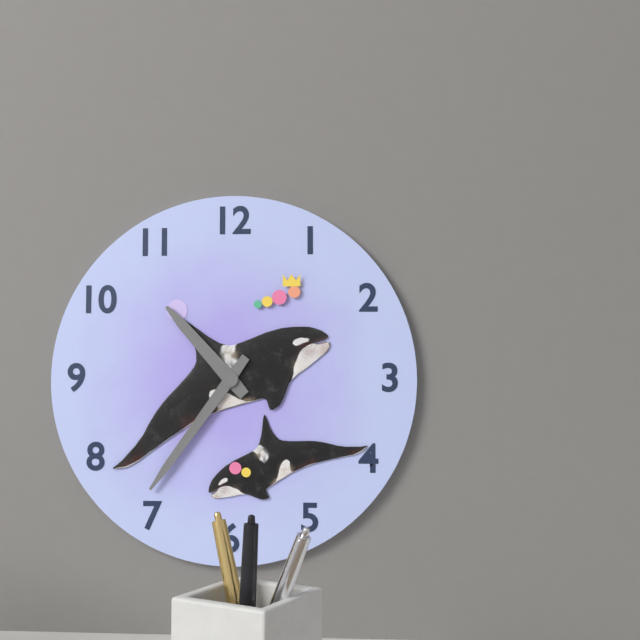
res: 10 h 36 min
